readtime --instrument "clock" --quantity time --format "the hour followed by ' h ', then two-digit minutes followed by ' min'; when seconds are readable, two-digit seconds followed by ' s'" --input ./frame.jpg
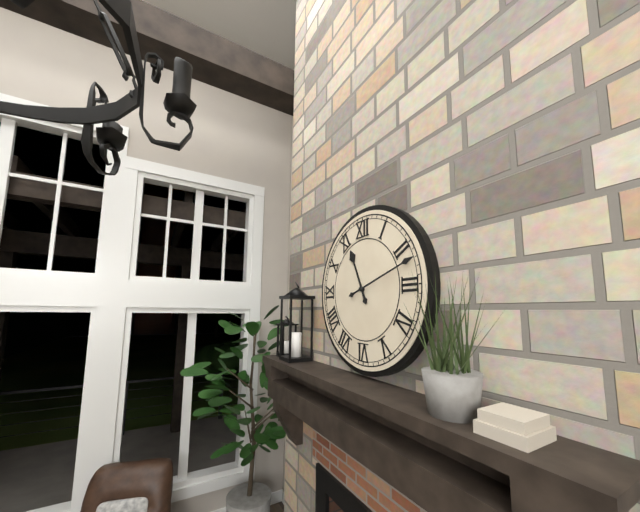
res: 11 h 12 min
